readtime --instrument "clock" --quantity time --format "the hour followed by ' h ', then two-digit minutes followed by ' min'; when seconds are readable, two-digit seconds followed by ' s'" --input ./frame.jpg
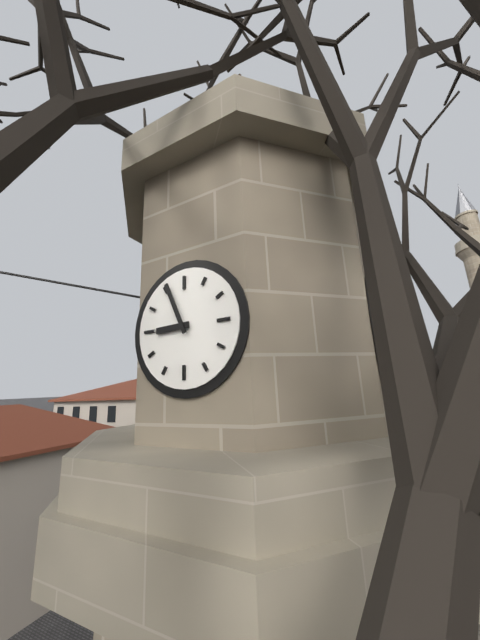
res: 8 h 56 min
